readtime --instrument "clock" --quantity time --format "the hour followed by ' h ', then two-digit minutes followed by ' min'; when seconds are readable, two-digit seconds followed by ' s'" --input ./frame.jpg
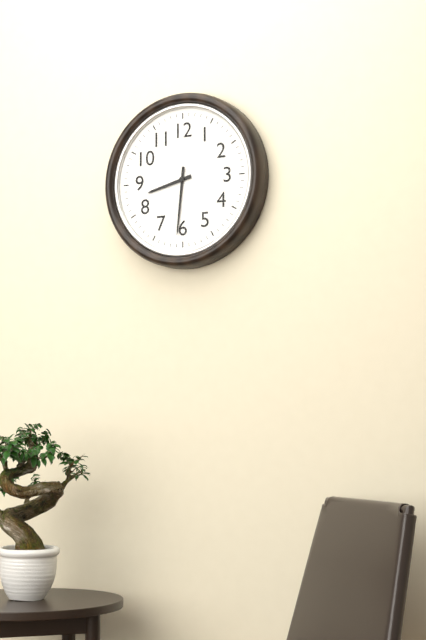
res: 8 h 31 min
